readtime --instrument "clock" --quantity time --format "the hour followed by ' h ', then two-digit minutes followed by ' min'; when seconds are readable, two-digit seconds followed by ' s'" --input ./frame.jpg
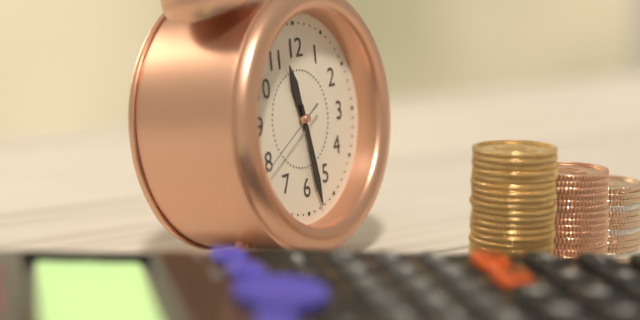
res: 11 h 28 min 40 s
